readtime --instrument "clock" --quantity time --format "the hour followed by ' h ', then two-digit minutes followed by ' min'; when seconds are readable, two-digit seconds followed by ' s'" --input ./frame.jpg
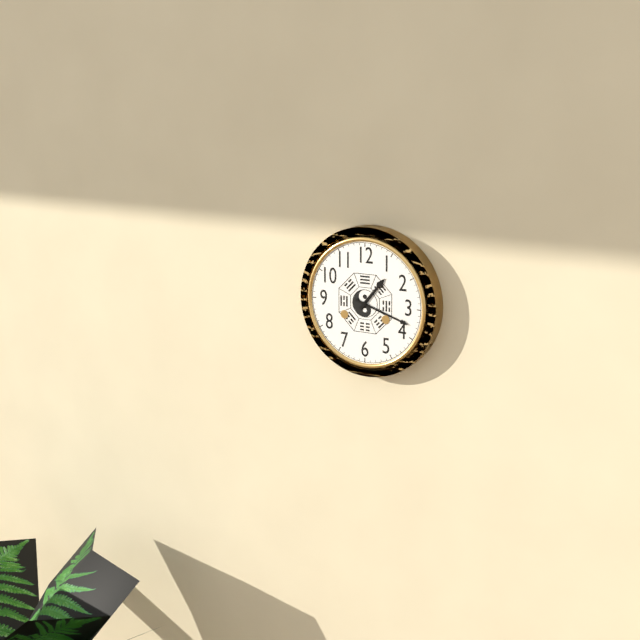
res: 1 h 18 min
